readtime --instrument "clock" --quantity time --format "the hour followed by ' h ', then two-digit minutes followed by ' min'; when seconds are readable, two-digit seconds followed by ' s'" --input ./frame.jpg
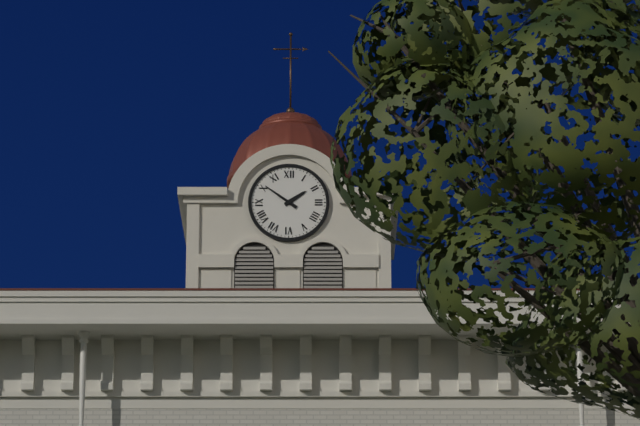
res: 1 h 51 min
